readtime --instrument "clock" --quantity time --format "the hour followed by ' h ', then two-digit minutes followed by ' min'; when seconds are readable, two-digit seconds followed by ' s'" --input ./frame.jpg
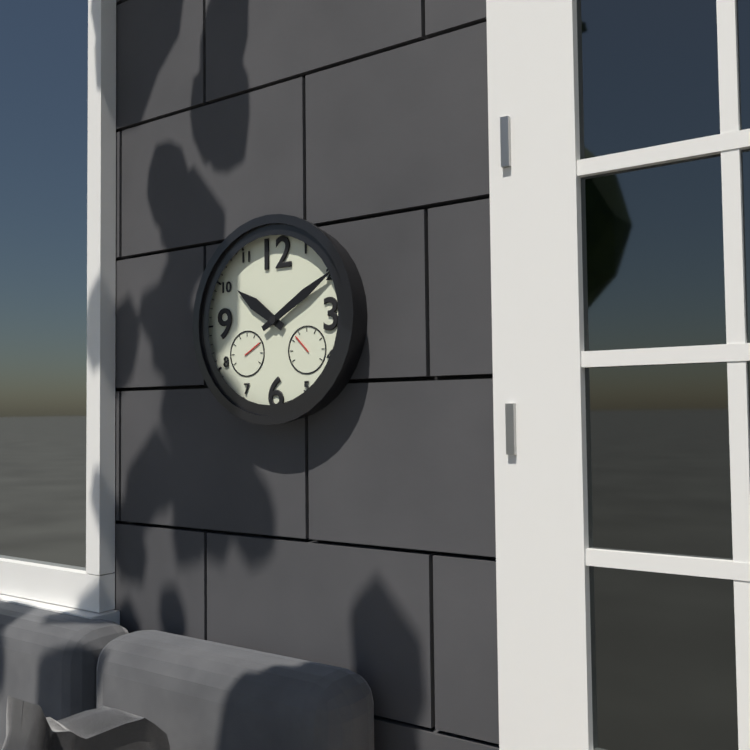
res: 10 h 10 min
